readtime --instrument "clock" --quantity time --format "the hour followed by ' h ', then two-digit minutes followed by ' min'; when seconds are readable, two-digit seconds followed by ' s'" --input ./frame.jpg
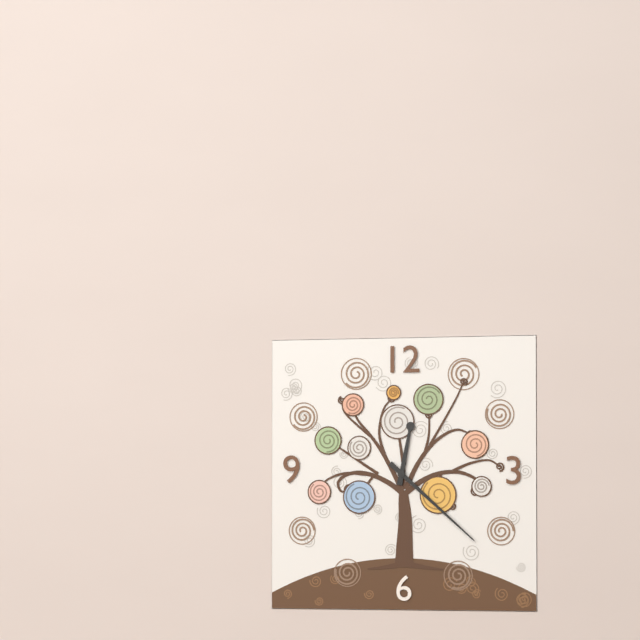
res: 12 h 22 min
